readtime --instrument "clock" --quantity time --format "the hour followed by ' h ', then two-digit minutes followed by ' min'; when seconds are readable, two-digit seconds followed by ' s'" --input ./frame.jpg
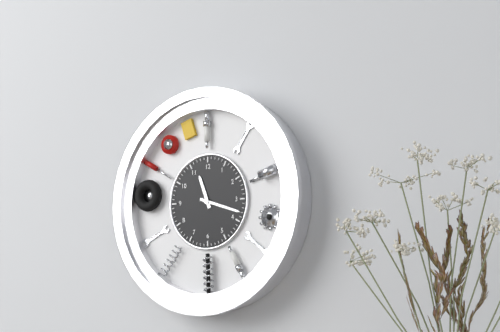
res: 11 h 18 min
